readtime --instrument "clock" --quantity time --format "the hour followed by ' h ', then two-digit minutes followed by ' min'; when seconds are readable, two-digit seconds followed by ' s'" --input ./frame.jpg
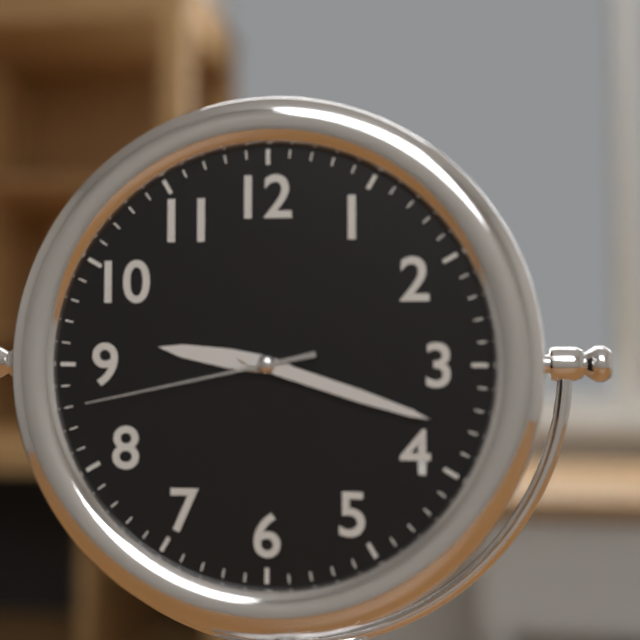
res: 9 h 18 min 43 s
